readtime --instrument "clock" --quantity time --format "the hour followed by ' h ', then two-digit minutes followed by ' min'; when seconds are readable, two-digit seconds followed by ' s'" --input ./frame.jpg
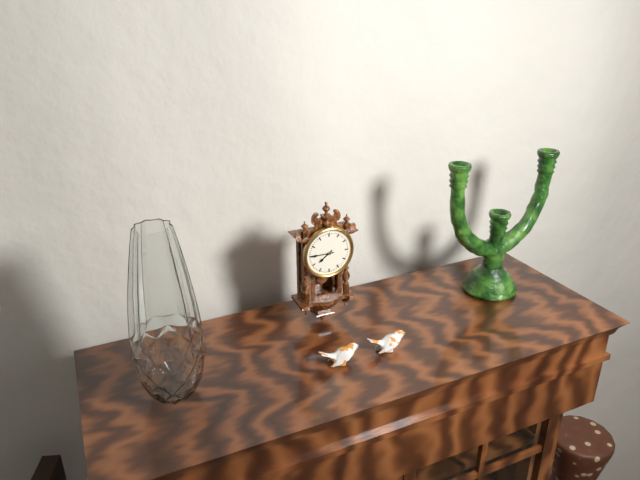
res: 7 h 45 min
